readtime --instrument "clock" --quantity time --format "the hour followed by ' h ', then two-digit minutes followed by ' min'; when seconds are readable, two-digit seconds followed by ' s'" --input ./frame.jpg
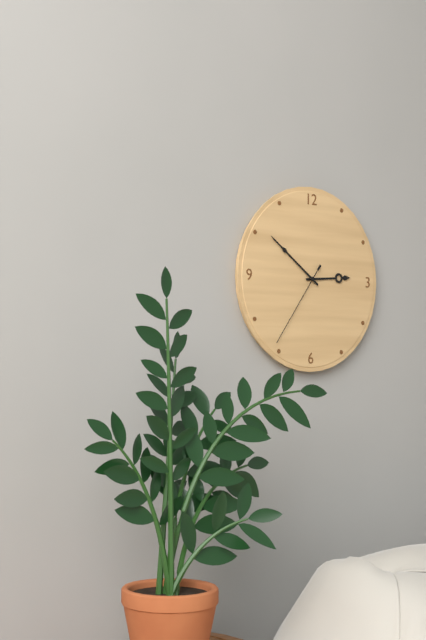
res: 2 h 51 min 36 s
